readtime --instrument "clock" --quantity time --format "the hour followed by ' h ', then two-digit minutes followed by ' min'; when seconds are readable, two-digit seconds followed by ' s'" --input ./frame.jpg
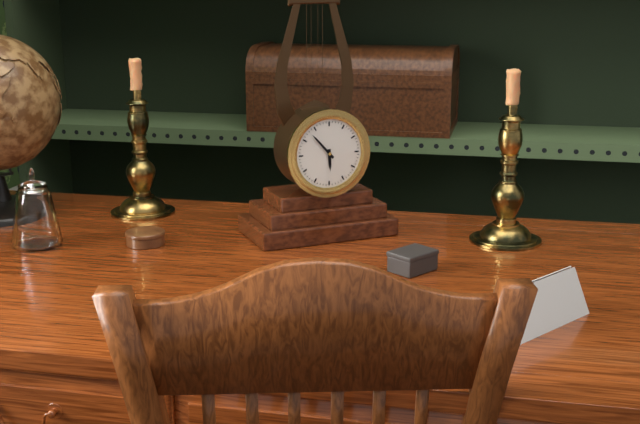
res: 5 h 53 min
